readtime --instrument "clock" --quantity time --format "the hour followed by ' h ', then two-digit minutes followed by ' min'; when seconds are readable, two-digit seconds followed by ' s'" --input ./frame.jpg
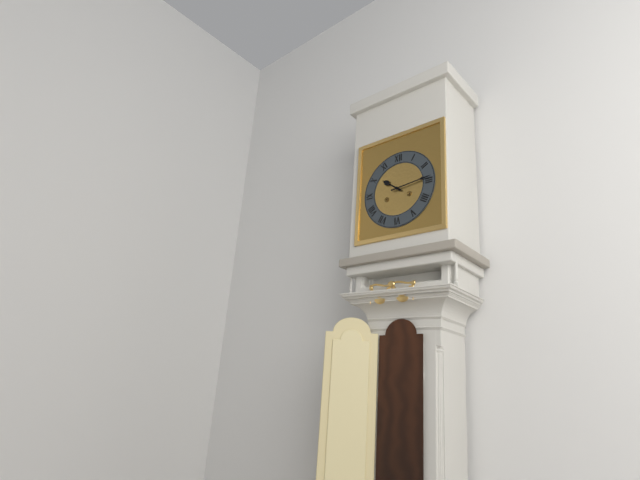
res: 10 h 14 min
